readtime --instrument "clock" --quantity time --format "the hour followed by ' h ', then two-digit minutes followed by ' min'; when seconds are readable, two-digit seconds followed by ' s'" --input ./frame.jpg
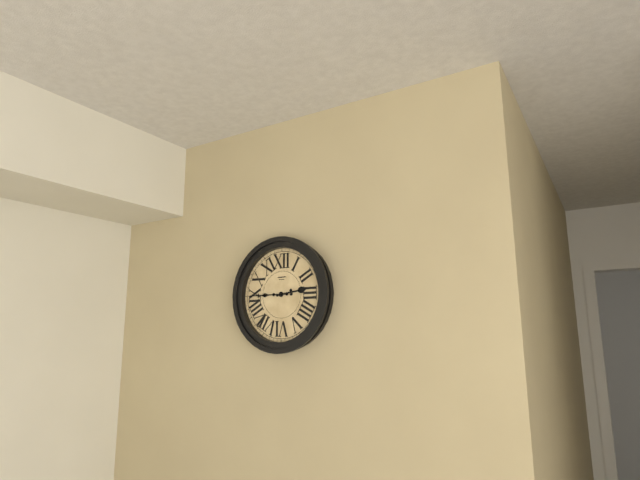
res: 2 h 45 min
